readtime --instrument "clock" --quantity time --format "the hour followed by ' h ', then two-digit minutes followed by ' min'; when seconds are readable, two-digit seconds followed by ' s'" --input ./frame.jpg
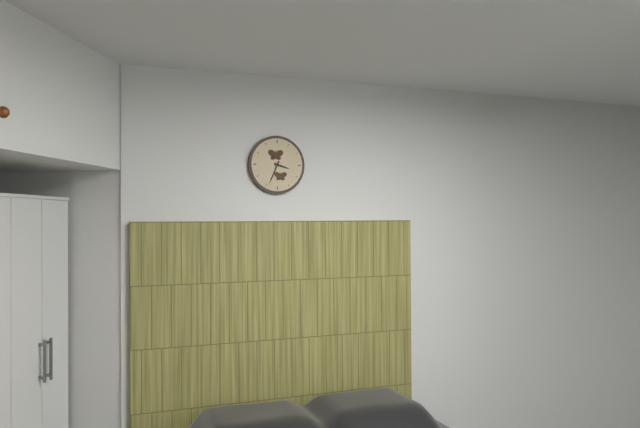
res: 3 h 34 min
